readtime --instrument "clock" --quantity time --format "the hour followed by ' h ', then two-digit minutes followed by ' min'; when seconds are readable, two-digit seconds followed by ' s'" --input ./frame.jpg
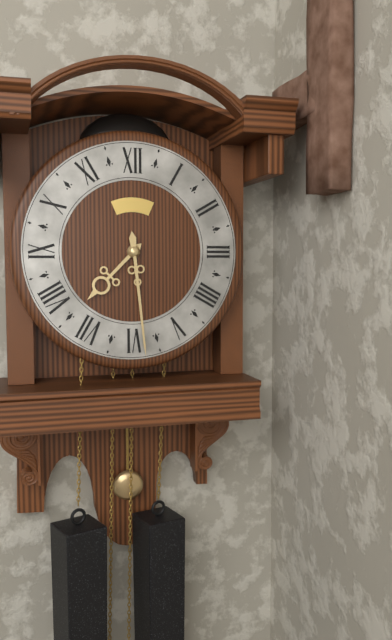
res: 7 h 29 min
